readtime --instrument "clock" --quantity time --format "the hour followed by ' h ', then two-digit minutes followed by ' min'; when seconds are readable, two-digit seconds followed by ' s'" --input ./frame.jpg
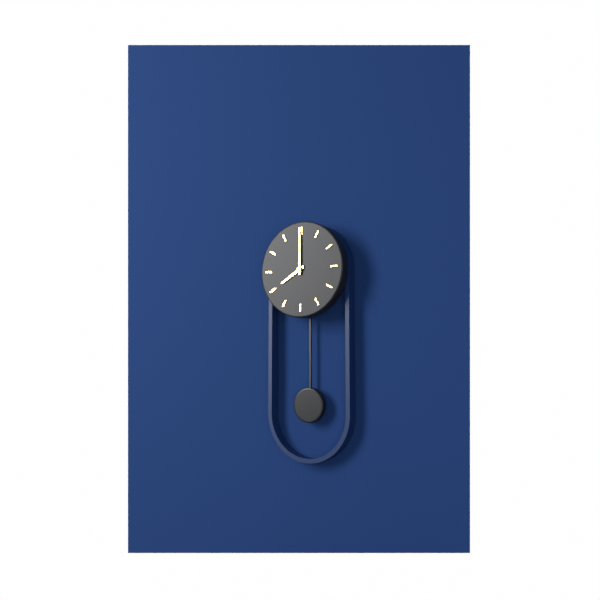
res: 8 h 00 min
